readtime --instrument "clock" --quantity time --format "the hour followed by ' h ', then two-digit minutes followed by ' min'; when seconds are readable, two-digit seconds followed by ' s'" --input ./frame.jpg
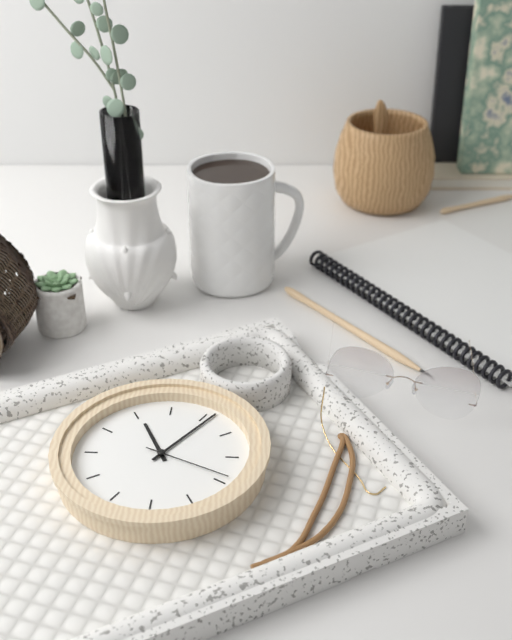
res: 11 h 06 min 19 s
